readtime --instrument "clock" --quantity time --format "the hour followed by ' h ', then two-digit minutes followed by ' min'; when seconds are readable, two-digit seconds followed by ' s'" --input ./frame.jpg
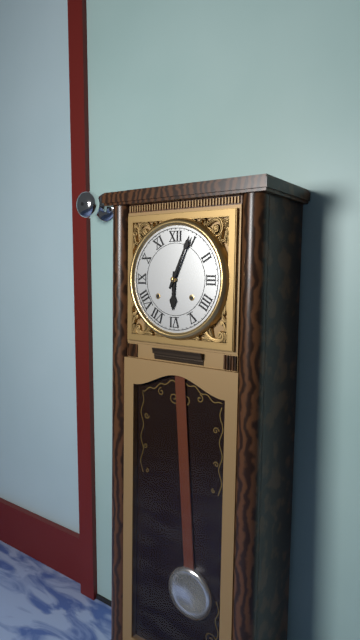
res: 6 h 04 min
